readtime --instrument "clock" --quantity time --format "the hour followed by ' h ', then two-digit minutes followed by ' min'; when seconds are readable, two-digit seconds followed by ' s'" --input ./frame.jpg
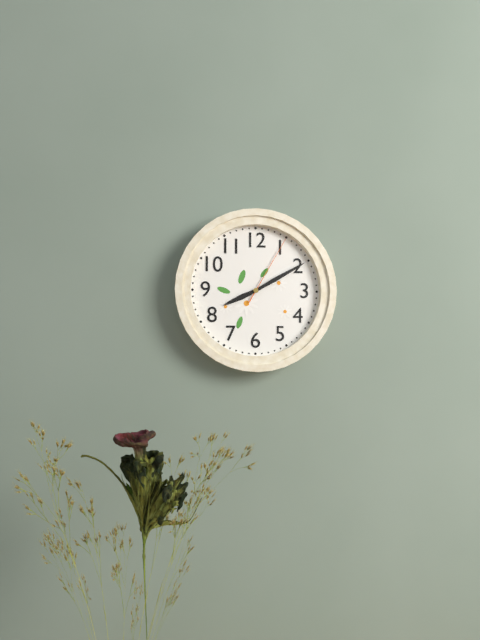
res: 8 h 10 min 05 s
